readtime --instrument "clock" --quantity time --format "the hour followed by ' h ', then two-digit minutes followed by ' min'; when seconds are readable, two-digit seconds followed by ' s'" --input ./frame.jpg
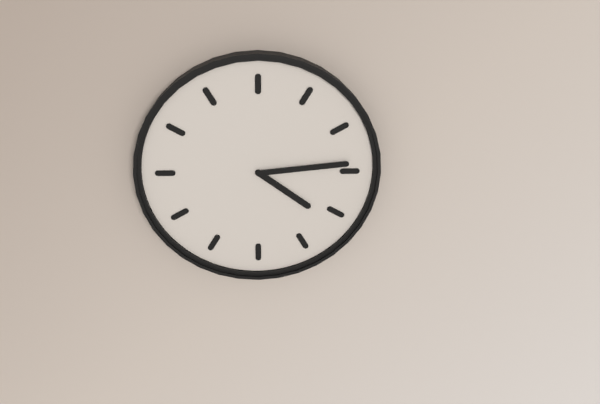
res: 4 h 14 min
